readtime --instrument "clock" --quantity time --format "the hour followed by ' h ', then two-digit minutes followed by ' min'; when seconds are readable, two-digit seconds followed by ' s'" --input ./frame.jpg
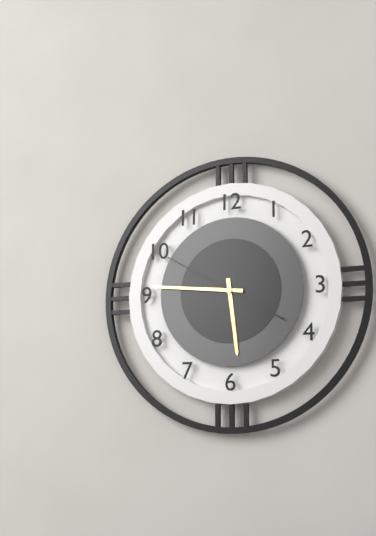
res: 5 h 46 min 50 s
